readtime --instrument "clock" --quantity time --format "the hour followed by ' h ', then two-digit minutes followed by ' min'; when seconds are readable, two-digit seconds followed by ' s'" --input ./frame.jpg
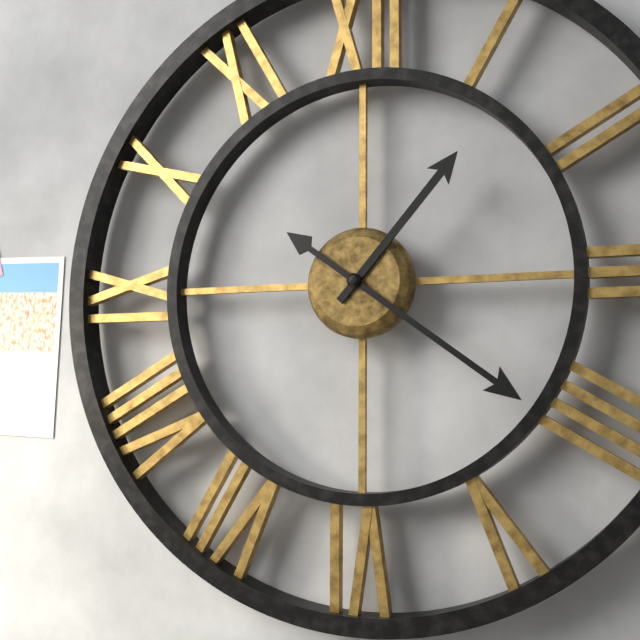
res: 1 h 21 min
